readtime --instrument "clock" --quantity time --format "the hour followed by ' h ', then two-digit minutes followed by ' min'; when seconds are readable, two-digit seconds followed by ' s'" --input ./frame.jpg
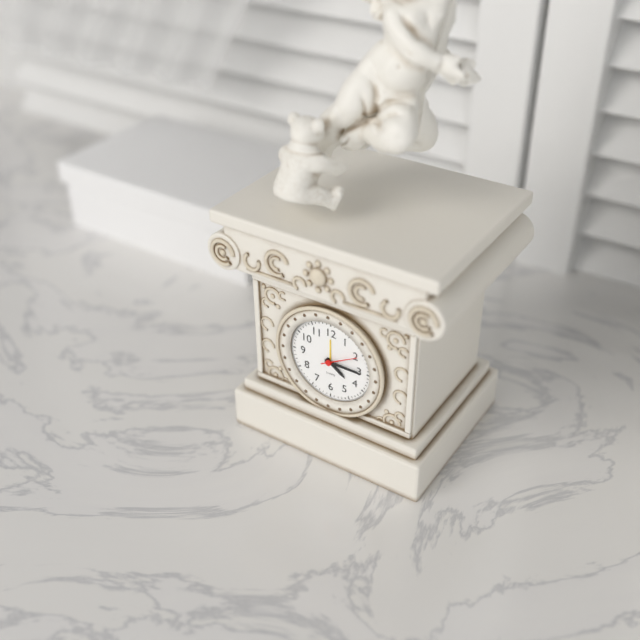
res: 4 h 15 min
